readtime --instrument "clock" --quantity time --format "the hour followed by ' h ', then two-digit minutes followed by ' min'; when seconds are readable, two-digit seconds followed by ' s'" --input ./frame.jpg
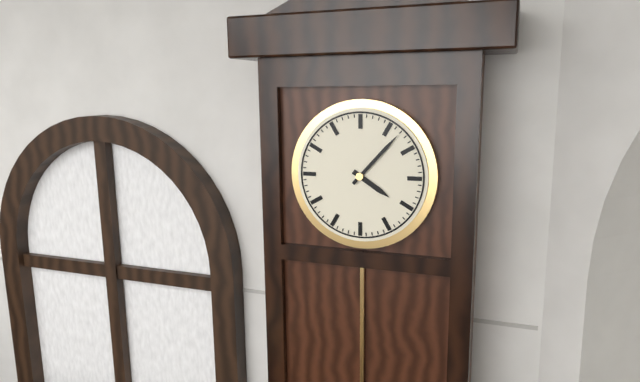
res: 4 h 07 min
